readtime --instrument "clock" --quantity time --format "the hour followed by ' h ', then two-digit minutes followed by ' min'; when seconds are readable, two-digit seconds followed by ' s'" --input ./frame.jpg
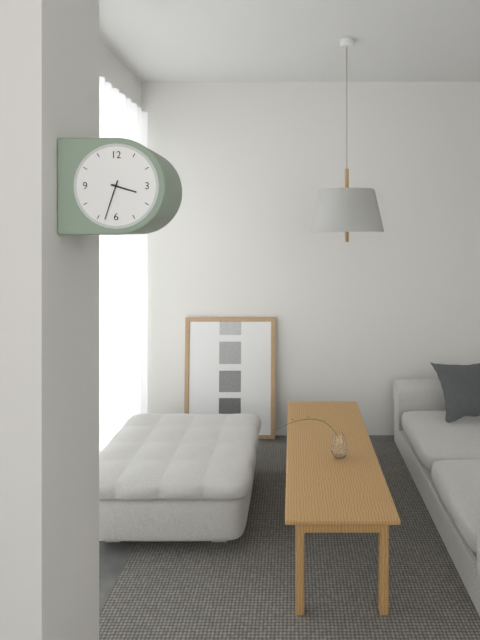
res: 3 h 33 min
